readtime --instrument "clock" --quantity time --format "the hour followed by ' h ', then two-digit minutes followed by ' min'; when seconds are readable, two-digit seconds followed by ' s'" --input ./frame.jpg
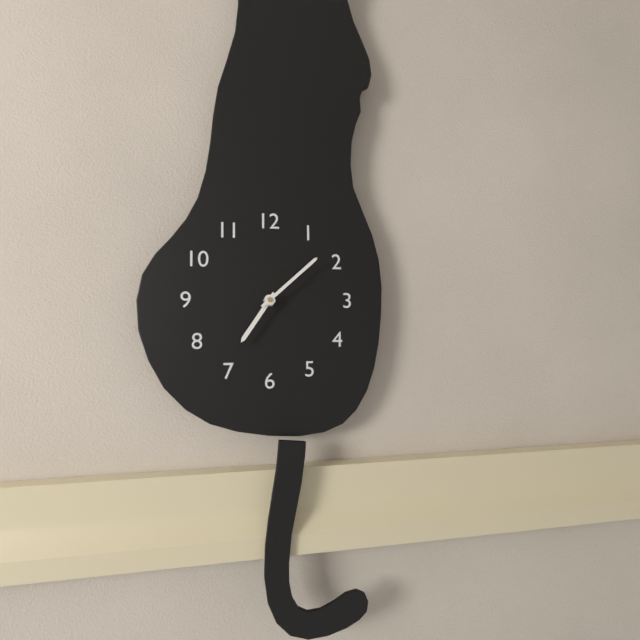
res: 7 h 08 min
